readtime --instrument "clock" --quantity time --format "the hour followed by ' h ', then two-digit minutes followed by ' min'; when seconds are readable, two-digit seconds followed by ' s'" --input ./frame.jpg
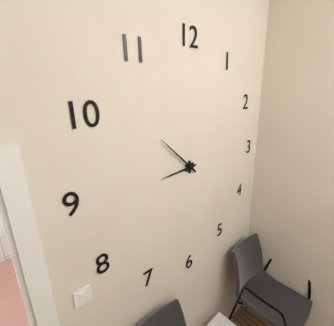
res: 8 h 52 min
